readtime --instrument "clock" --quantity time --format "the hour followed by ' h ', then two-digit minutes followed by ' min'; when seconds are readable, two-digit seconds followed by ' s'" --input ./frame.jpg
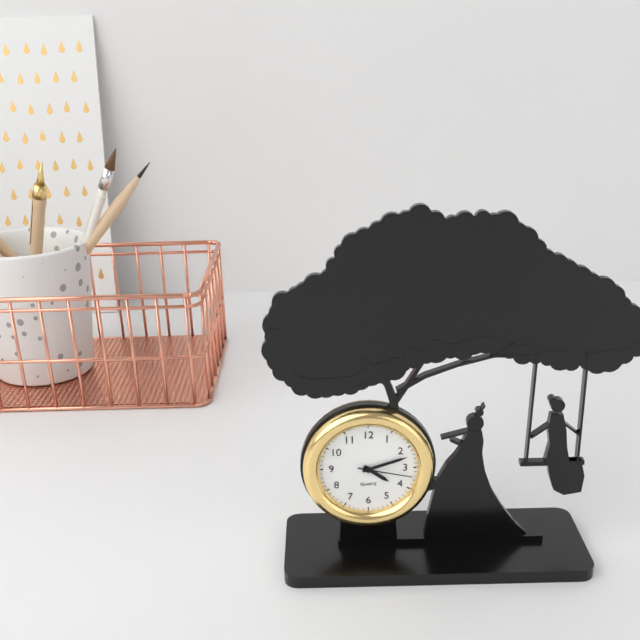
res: 4 h 12 min 17 s
